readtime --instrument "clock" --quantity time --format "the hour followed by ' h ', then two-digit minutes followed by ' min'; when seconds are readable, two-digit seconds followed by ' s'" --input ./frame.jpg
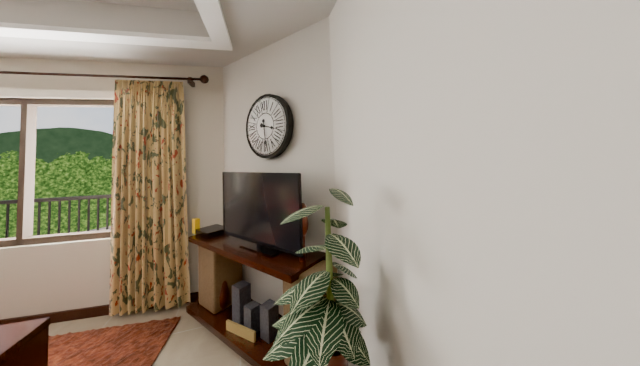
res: 3 h 29 min
